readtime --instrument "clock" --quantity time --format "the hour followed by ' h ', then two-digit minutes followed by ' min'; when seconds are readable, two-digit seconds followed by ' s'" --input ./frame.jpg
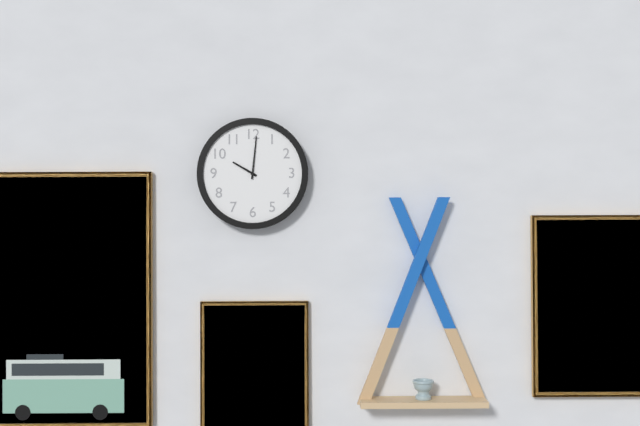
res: 10 h 01 min
